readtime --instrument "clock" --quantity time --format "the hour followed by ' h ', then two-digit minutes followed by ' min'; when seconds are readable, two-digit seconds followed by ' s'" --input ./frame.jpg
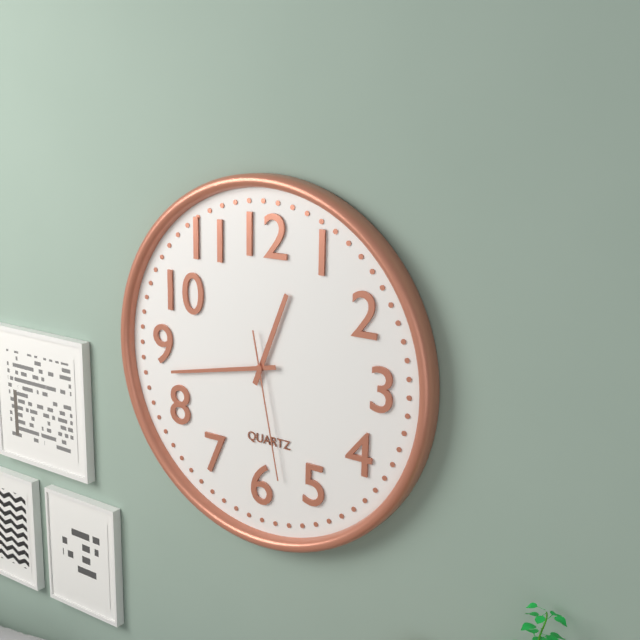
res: 12 h 43 min 28 s
